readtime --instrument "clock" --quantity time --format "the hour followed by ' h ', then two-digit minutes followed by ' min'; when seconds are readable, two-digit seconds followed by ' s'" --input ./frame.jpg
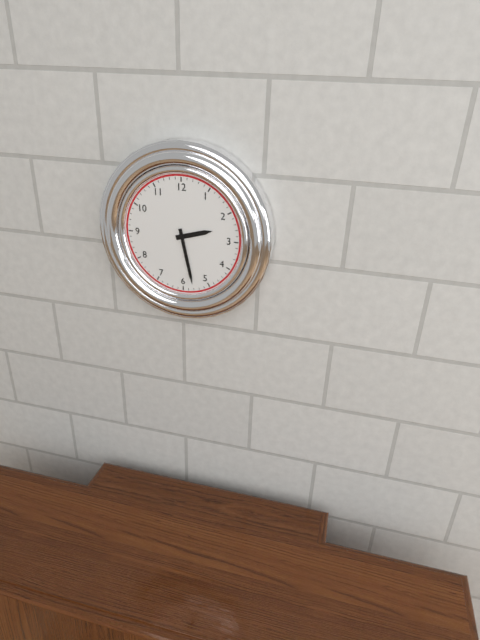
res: 2 h 28 min
